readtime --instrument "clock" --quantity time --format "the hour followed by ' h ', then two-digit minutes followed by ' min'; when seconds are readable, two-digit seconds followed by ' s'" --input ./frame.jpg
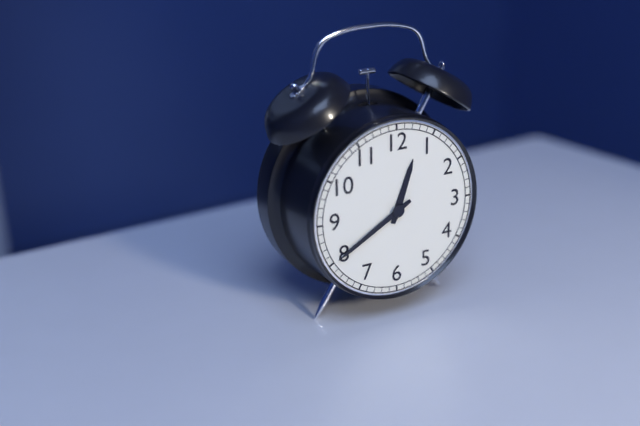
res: 12 h 40 min
